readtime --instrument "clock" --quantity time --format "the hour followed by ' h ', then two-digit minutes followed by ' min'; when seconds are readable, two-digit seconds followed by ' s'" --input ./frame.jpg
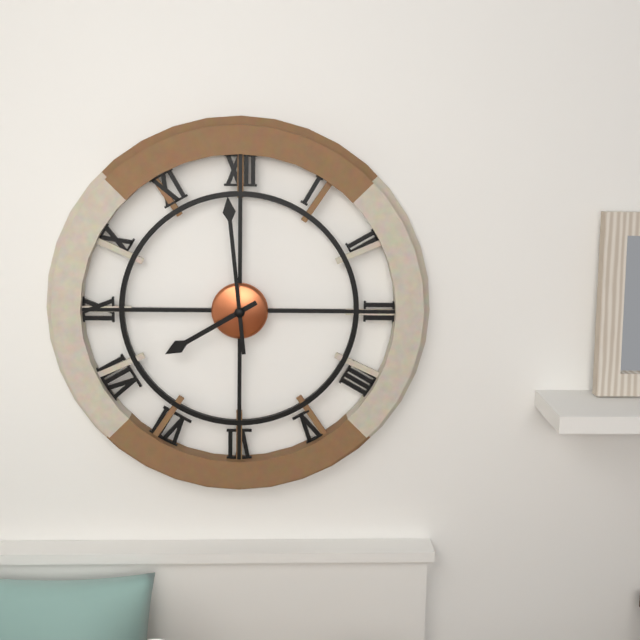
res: 7 h 59 min
